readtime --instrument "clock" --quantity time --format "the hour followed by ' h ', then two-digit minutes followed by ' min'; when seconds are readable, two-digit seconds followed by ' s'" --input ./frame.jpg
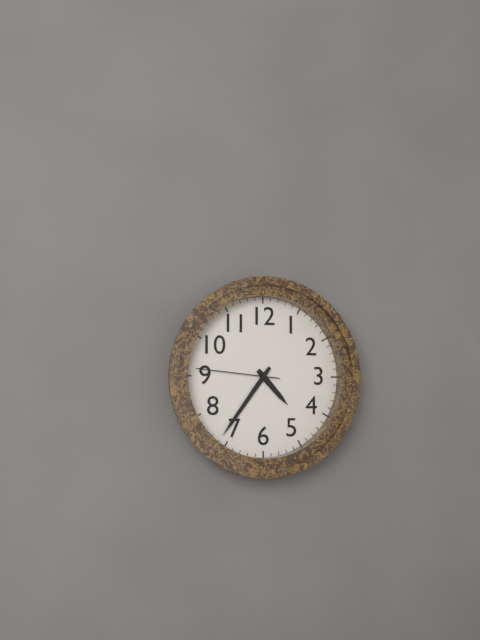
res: 4 h 36 min 46 s
